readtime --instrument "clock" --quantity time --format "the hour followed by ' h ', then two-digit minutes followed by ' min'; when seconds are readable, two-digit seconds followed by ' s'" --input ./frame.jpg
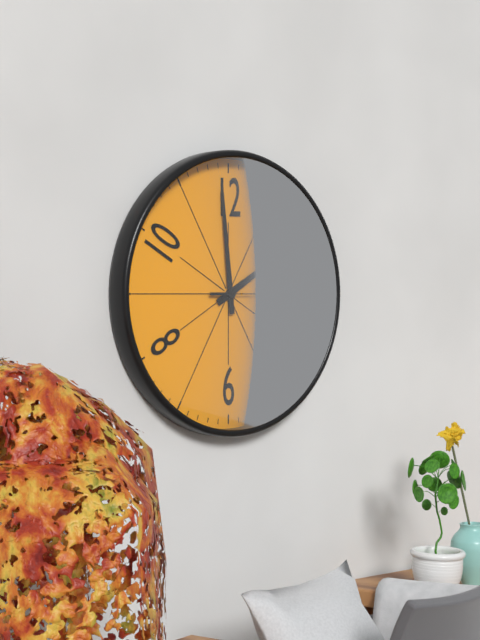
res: 1 h 59 min 15 s
